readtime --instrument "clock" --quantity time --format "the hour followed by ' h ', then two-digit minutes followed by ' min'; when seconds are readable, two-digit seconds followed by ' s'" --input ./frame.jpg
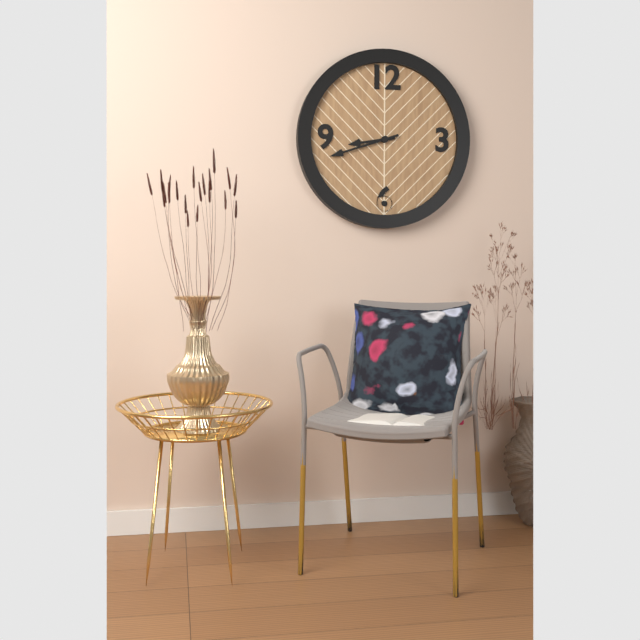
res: 8 h 42 min
